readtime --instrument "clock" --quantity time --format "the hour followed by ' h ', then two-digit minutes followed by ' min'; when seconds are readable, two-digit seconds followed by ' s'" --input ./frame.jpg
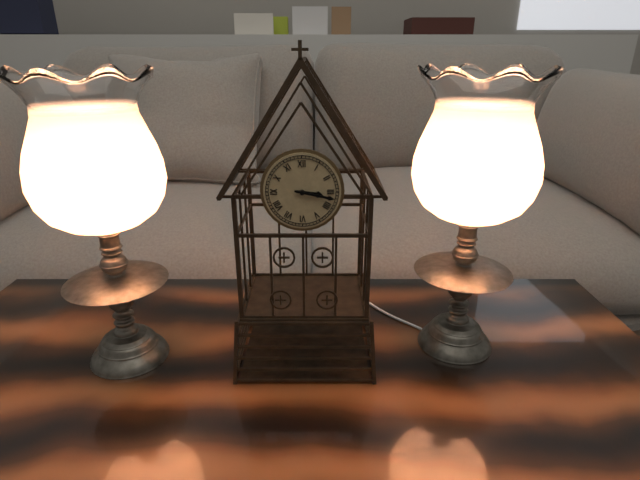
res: 3 h 17 min
